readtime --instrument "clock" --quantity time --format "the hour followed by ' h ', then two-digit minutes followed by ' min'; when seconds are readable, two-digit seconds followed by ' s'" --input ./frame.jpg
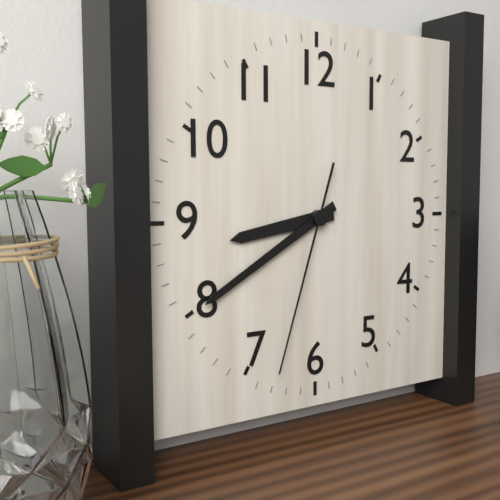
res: 8 h 40 min 33 s
